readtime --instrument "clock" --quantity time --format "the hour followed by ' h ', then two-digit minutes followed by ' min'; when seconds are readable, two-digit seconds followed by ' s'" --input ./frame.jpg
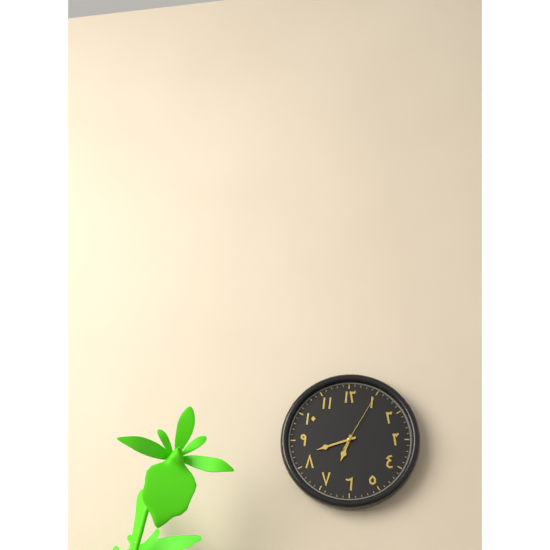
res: 6 h 42 min 05 s
